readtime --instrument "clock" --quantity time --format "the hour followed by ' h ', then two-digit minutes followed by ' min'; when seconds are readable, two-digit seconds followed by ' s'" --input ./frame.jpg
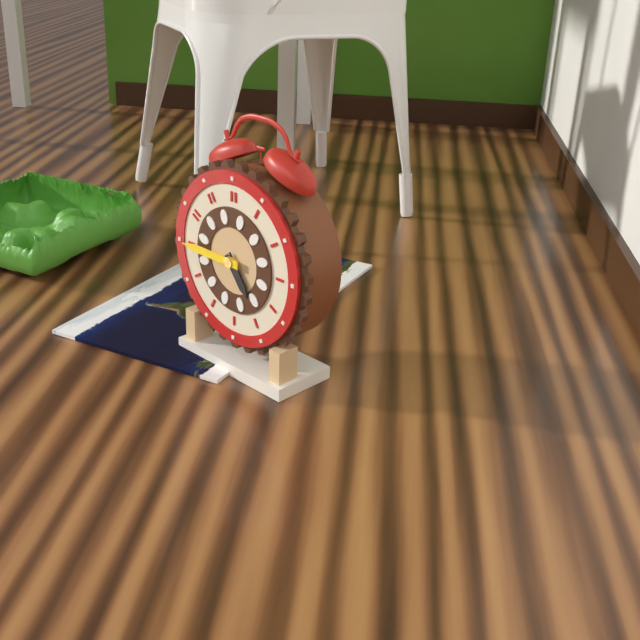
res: 4 h 45 min
